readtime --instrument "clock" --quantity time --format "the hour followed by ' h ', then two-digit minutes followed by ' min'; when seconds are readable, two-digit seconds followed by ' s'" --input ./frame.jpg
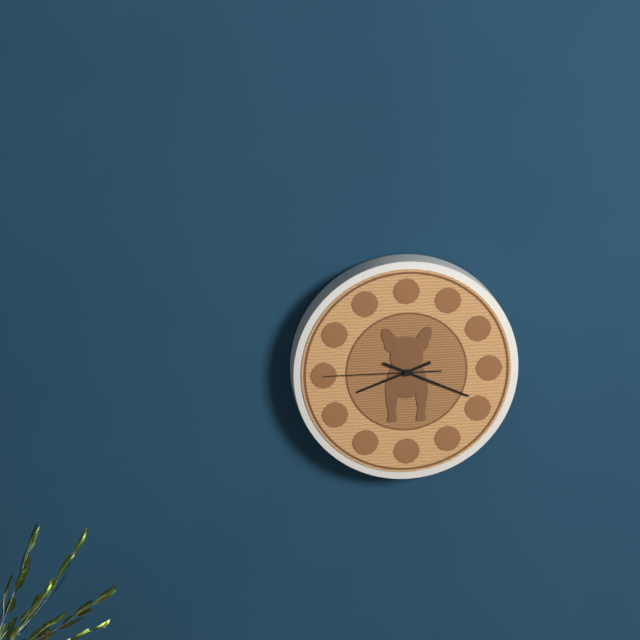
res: 8 h 19 min 45 s
